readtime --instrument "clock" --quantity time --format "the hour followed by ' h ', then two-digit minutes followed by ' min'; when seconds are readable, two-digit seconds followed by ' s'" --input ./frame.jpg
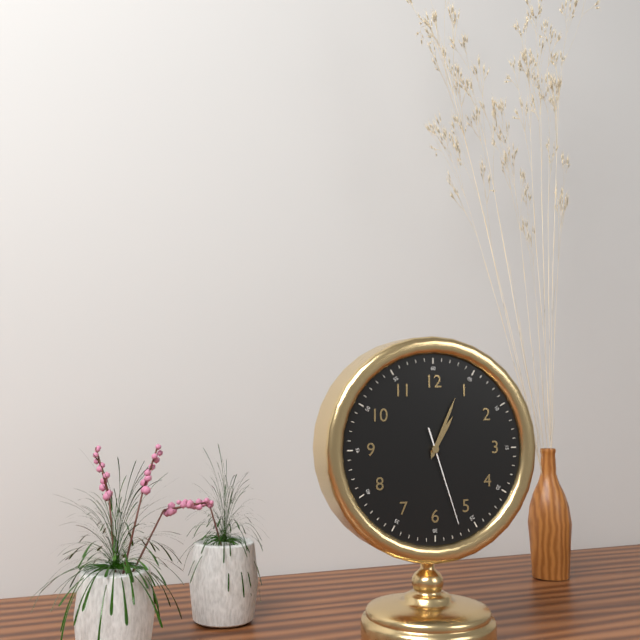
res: 1 h 04 min 27 s
